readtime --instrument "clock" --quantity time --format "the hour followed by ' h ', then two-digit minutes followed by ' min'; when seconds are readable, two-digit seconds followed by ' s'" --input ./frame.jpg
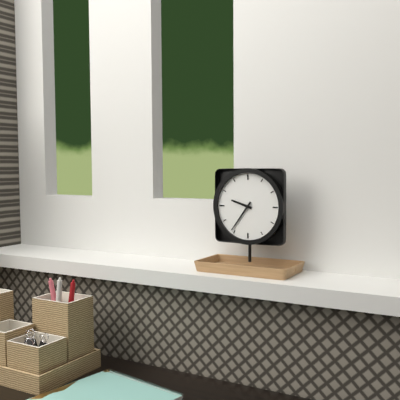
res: 9 h 36 min
